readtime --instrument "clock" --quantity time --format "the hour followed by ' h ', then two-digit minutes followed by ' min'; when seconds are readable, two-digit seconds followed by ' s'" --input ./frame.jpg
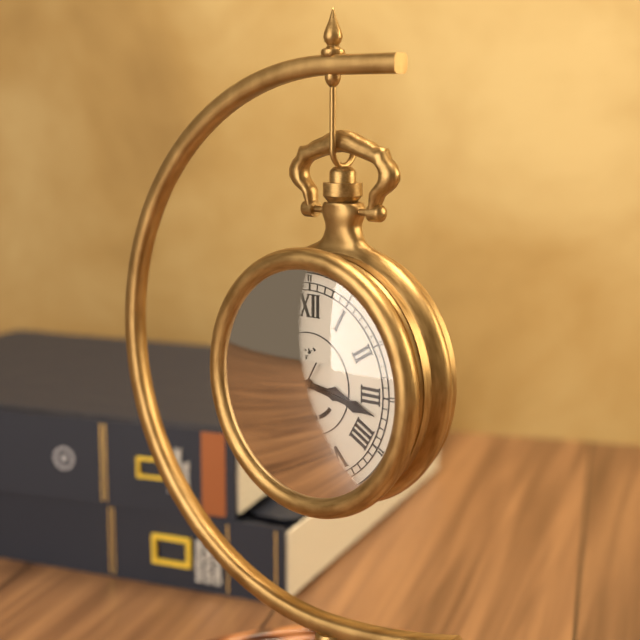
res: 3 h 17 min 35 s
